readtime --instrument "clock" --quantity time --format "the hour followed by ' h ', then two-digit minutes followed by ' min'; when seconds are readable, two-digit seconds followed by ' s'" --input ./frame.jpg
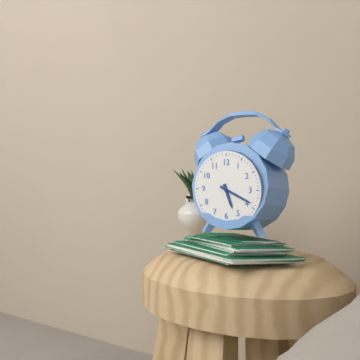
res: 5 h 19 min
